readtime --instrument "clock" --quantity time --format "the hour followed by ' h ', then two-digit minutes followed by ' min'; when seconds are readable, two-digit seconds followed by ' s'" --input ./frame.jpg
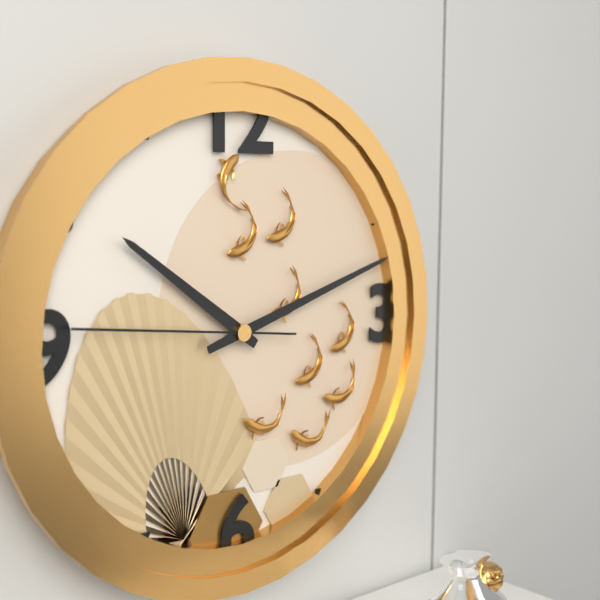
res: 10 h 12 min 46 s
